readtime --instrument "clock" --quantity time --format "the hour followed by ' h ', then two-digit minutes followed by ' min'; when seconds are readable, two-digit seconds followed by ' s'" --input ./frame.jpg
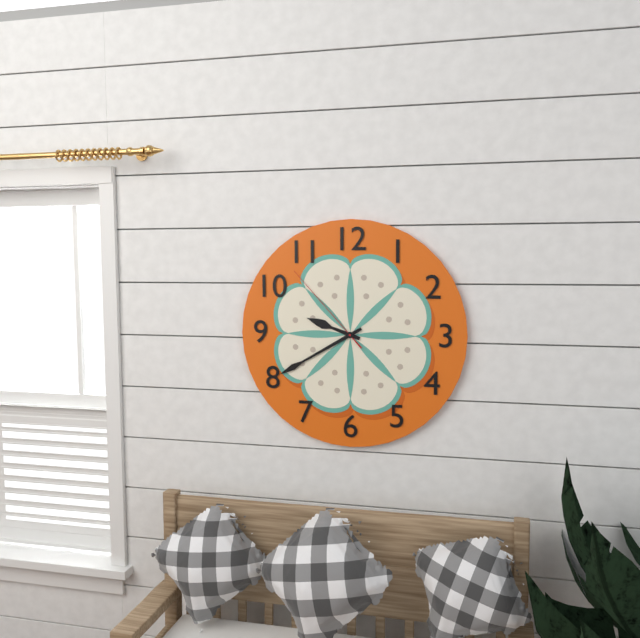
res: 9 h 40 min 53 s
